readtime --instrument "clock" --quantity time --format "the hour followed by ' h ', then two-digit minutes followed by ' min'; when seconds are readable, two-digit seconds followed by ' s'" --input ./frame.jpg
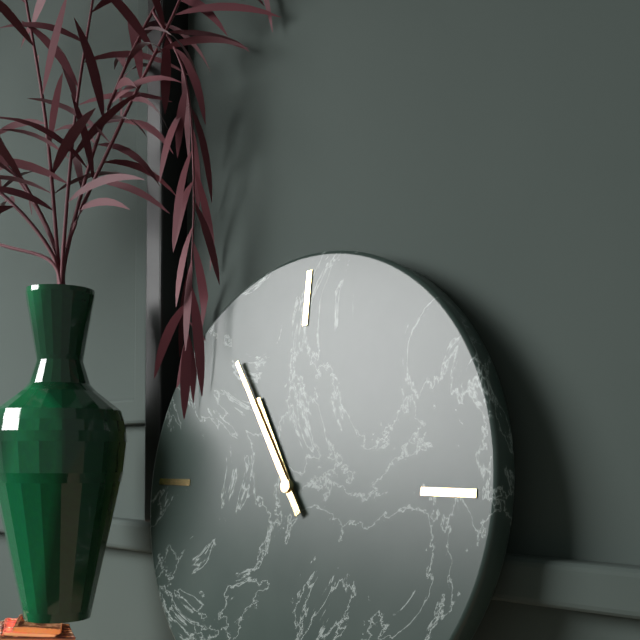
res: 10 h 54 min
